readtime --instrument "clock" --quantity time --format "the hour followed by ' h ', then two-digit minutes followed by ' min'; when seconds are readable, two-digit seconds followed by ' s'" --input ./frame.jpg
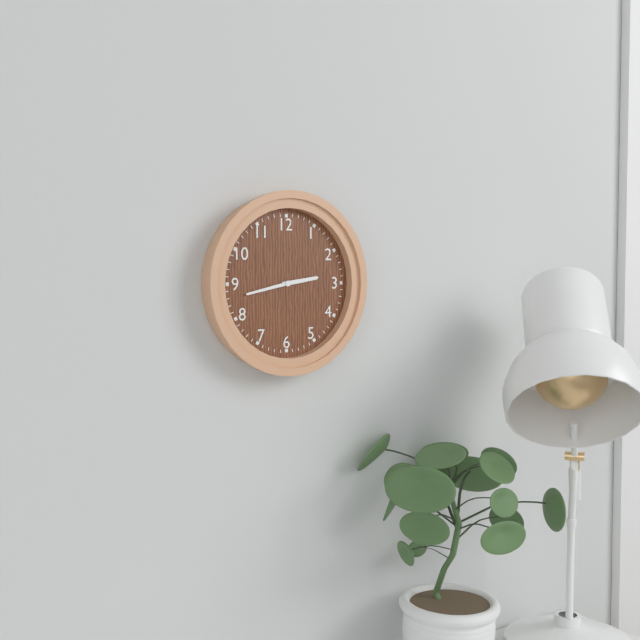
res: 2 h 43 min
